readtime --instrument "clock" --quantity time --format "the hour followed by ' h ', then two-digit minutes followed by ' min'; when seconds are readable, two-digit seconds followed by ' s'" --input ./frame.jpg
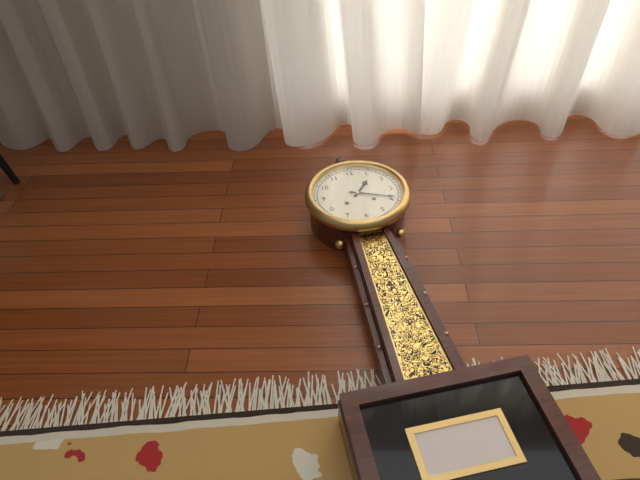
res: 1 h 19 min
